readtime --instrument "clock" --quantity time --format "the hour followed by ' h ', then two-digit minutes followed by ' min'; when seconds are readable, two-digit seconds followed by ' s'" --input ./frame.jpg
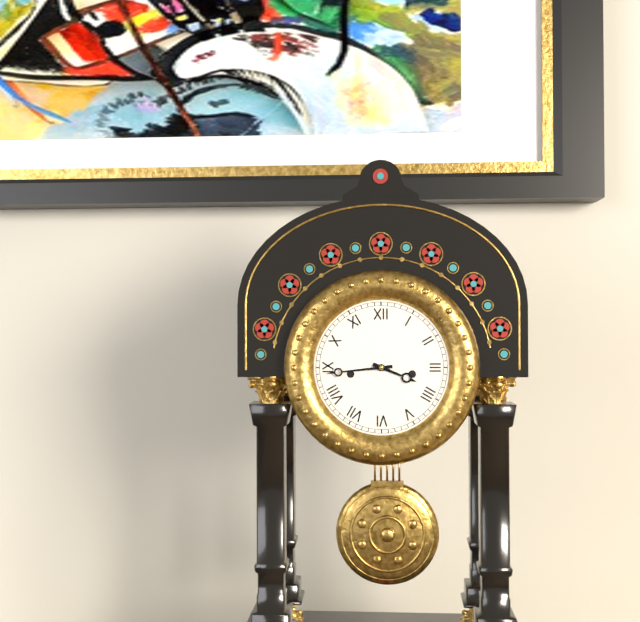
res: 3 h 44 min
